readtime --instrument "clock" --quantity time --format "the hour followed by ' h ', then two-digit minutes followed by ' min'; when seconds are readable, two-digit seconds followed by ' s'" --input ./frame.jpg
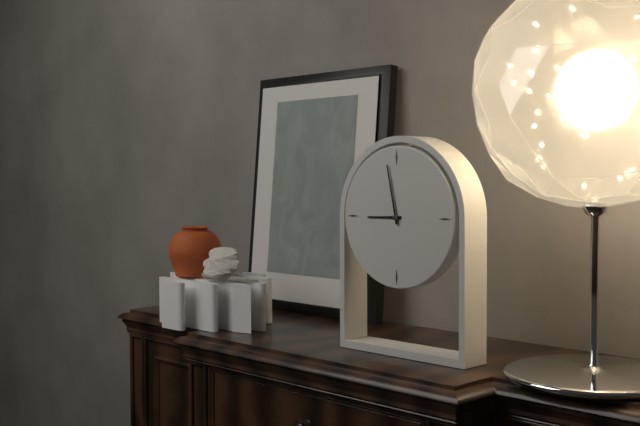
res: 8 h 58 min
